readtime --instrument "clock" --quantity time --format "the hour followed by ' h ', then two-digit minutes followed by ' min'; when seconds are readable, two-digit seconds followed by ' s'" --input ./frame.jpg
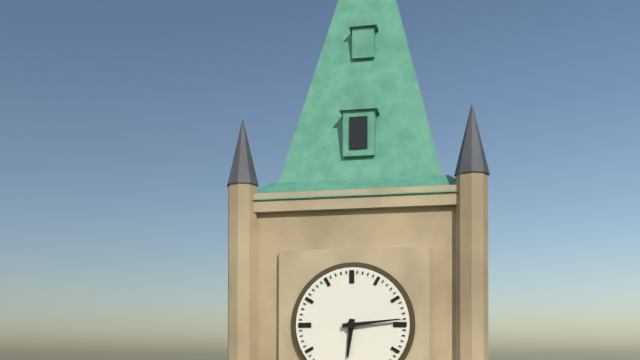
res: 6 h 14 min
